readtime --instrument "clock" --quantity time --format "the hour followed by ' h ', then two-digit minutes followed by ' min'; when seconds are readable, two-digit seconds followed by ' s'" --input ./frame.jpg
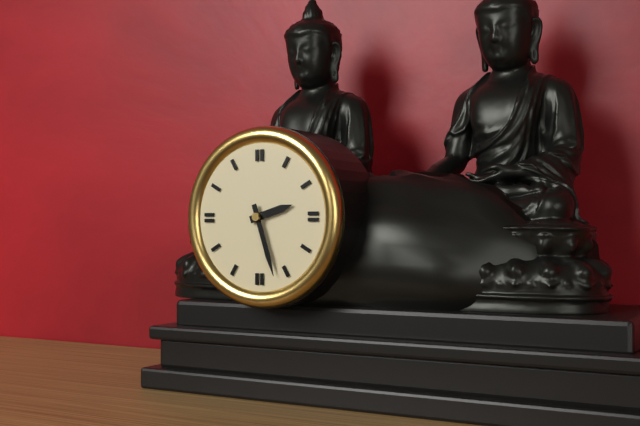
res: 2 h 27 min
